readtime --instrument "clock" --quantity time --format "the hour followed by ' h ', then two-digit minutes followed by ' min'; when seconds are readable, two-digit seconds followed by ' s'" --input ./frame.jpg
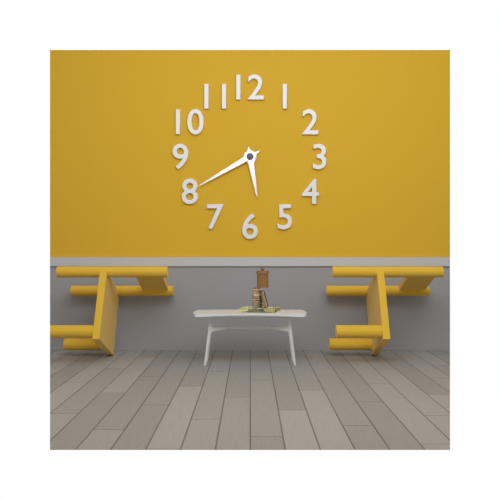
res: 5 h 40 min
